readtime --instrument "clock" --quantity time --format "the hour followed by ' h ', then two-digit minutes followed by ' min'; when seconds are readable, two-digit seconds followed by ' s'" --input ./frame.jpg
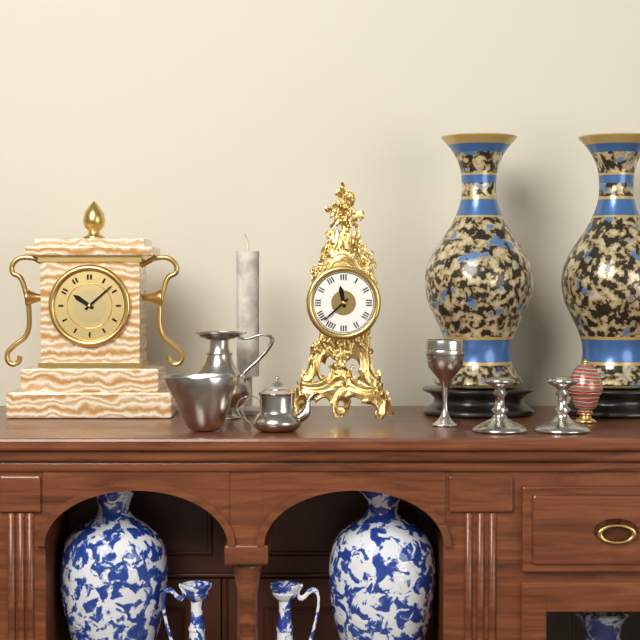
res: 11 h 38 min
